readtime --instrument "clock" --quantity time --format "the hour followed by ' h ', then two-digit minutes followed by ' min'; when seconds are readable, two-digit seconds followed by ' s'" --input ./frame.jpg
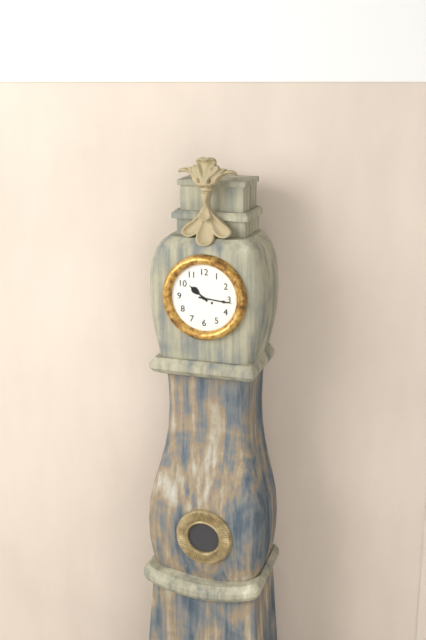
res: 10 h 16 min
